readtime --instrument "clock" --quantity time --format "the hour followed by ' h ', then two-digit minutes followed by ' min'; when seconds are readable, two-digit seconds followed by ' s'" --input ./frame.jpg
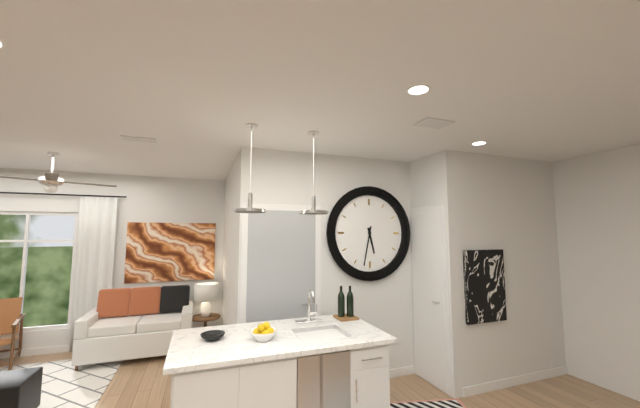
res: 5 h 32 min
